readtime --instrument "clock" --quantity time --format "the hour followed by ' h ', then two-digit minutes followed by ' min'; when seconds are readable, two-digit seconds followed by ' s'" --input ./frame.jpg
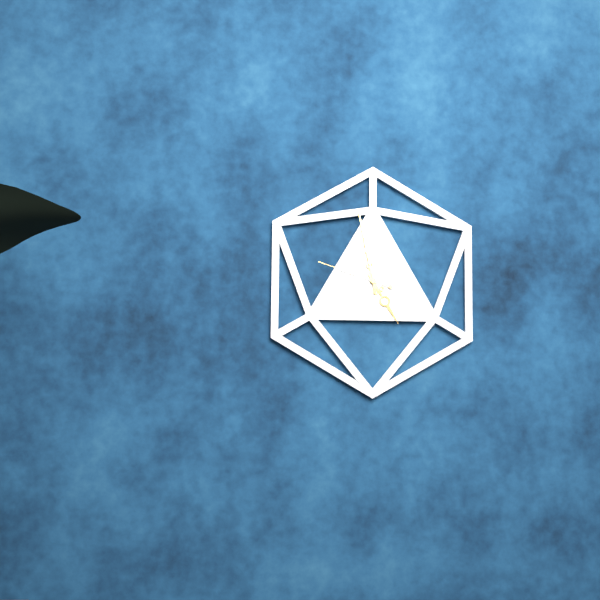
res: 4 h 58 min 48 s
